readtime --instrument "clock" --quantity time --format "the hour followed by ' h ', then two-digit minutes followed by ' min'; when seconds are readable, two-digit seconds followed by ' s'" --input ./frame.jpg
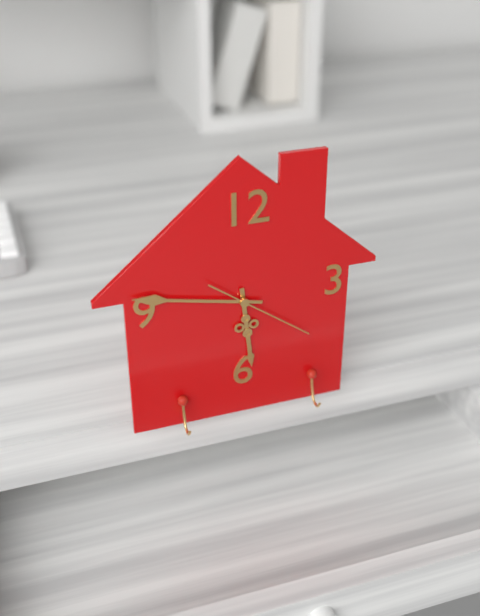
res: 5 h 47 min 21 s
